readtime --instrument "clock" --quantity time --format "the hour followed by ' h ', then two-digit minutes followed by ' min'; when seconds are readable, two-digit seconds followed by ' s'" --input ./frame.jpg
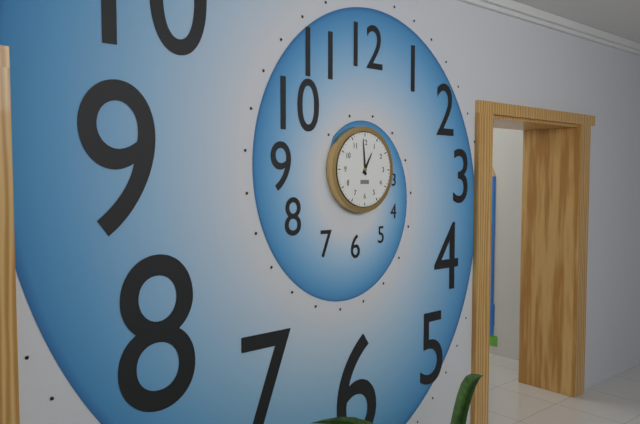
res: 12 h 59 min
